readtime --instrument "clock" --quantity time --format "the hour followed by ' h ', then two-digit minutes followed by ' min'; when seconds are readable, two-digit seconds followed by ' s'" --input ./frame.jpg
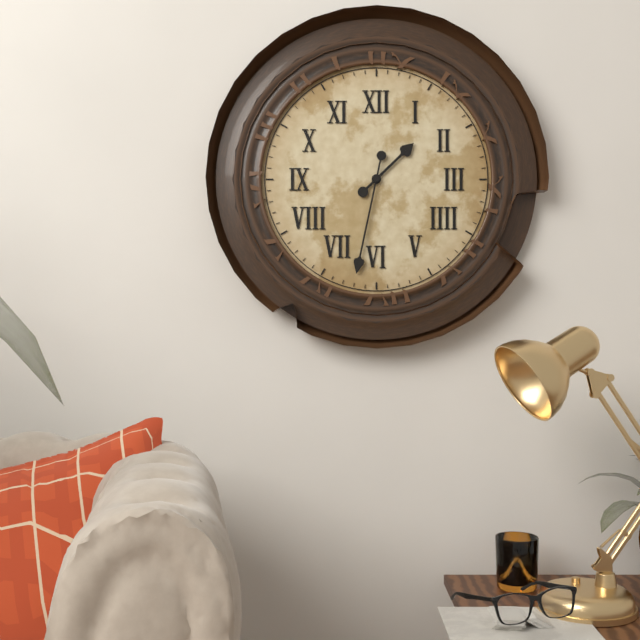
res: 1 h 32 min
